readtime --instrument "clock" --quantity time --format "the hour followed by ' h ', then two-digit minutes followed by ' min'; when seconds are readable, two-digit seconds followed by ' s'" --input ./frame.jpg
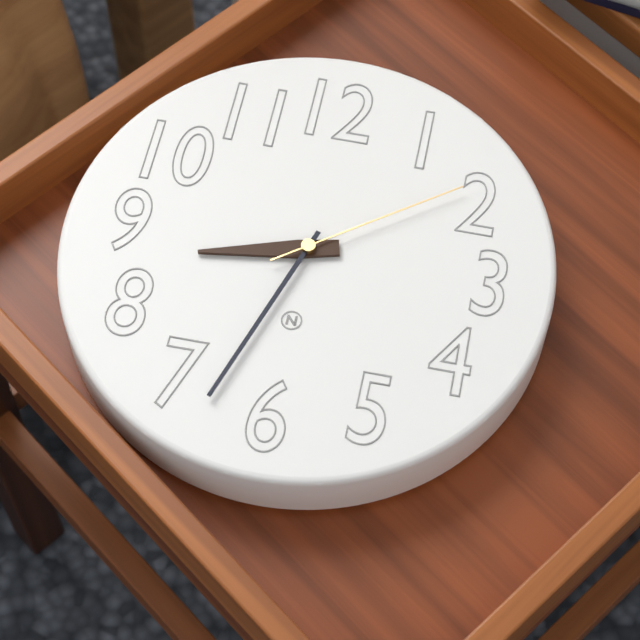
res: 8 h 33 min 09 s
